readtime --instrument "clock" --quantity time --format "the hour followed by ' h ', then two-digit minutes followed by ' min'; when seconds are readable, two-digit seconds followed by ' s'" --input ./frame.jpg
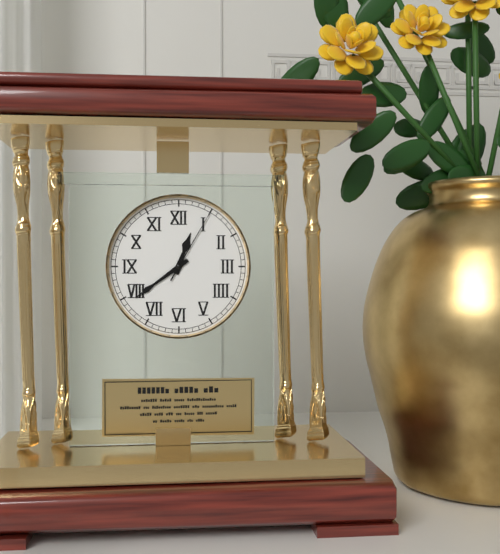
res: 12 h 39 min 05 s
